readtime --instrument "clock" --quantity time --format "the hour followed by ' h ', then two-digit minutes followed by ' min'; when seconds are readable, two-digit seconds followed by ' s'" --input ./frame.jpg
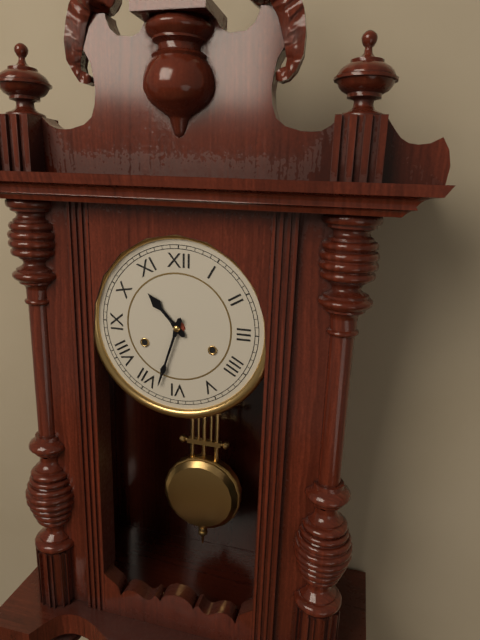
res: 10 h 33 min
